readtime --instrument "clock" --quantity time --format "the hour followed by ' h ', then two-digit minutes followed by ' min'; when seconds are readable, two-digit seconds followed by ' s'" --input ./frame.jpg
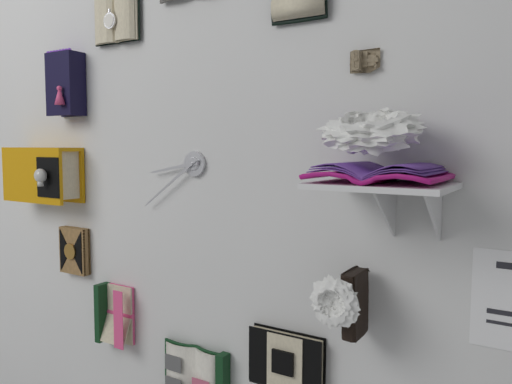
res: 8 h 39 min
